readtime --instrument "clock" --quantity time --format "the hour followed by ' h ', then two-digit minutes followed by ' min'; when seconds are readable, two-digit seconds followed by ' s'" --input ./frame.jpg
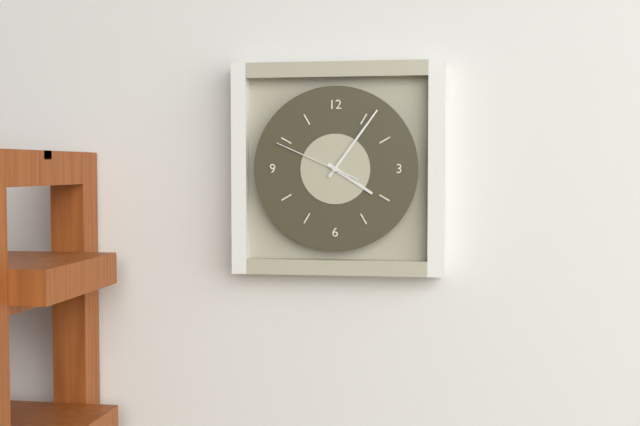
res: 4 h 06 min 49 s
